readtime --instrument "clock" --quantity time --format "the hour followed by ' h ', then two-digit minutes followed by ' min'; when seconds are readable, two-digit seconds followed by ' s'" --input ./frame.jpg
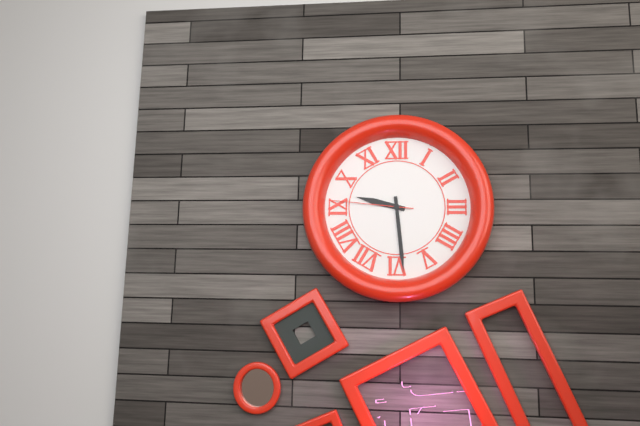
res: 9 h 29 min 46 s
